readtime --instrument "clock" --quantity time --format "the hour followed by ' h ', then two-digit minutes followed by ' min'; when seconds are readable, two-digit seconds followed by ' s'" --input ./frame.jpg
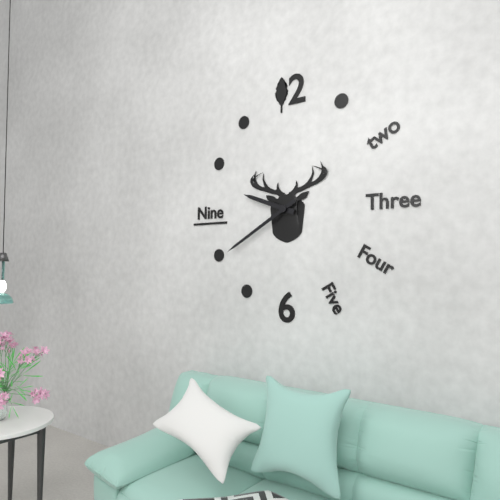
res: 9 h 40 min
